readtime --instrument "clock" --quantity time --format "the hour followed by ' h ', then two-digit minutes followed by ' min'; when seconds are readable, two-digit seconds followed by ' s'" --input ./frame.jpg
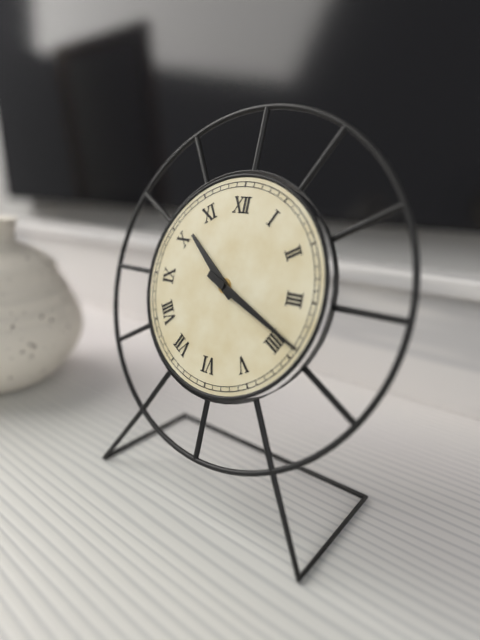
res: 10 h 19 min
